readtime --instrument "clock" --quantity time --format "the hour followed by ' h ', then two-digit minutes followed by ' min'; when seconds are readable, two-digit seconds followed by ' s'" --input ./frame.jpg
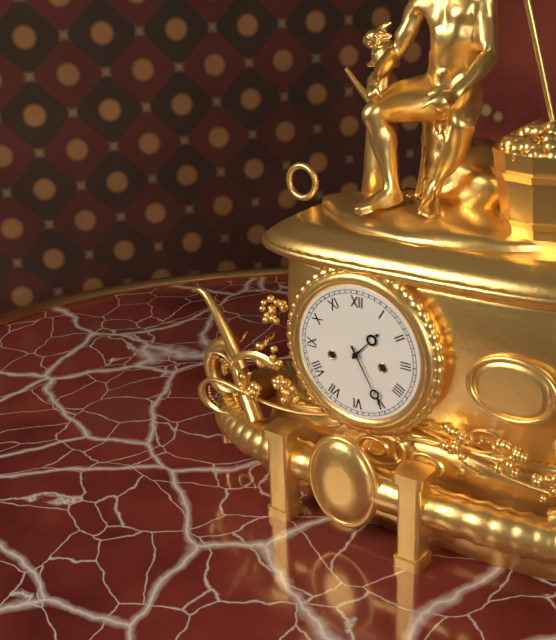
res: 1 h 25 min
